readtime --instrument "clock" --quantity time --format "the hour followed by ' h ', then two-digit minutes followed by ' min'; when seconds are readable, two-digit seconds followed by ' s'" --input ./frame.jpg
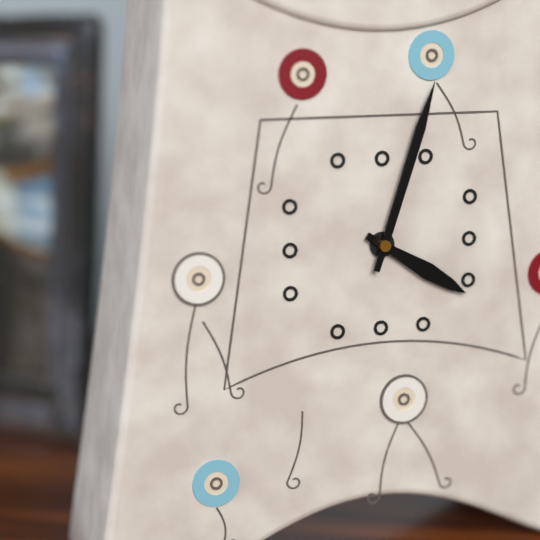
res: 4 h 03 min
